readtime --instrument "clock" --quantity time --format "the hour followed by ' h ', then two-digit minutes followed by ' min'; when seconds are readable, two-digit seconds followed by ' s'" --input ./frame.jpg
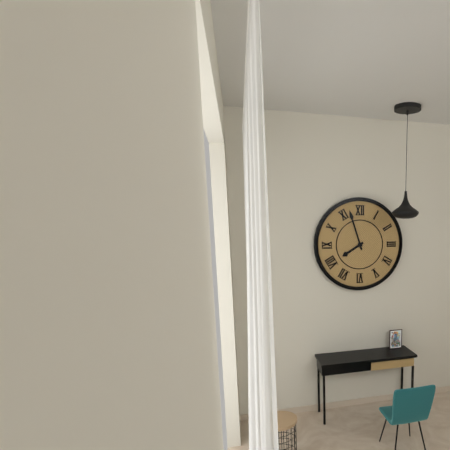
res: 7 h 57 min
